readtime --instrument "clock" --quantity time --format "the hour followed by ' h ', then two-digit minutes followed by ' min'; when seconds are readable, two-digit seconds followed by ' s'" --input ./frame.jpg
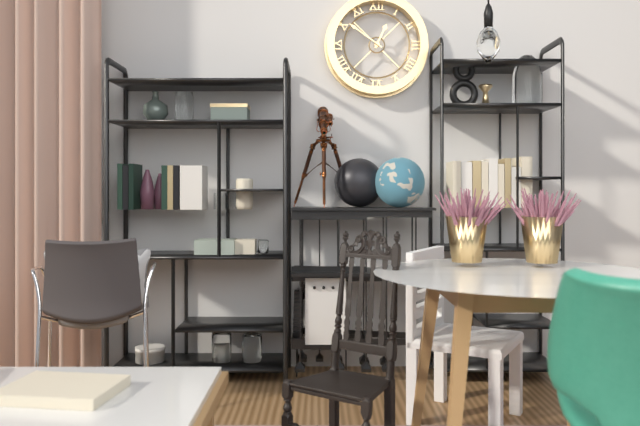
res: 12 h 51 min
